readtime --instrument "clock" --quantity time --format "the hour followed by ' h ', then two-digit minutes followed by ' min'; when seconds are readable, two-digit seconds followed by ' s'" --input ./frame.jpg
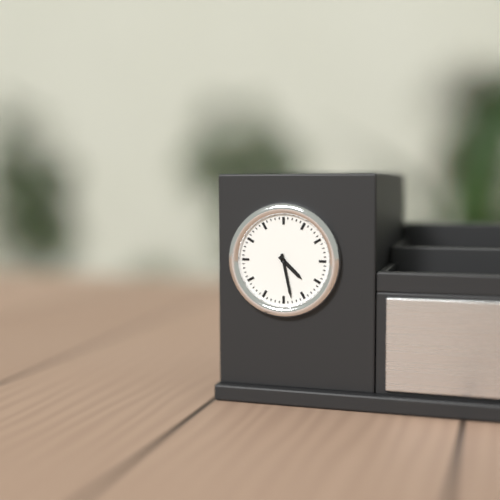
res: 4 h 28 min
